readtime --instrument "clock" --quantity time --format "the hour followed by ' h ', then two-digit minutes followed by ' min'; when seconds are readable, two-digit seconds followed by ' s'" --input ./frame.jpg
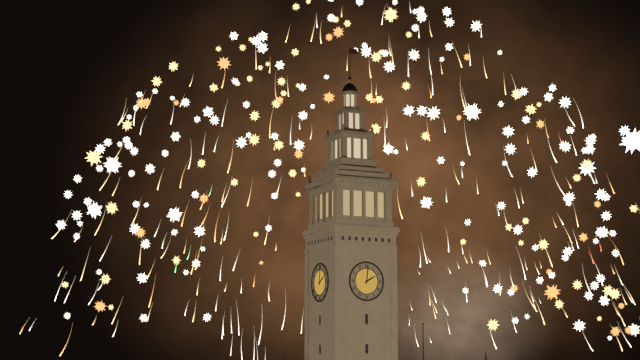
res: 2 h 01 min
